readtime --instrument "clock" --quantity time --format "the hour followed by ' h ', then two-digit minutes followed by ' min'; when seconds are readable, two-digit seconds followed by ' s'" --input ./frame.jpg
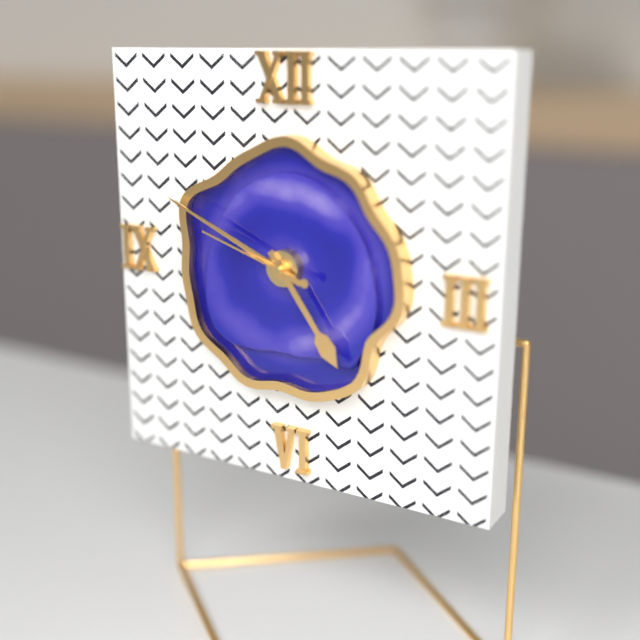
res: 4 h 49 min 48 s
